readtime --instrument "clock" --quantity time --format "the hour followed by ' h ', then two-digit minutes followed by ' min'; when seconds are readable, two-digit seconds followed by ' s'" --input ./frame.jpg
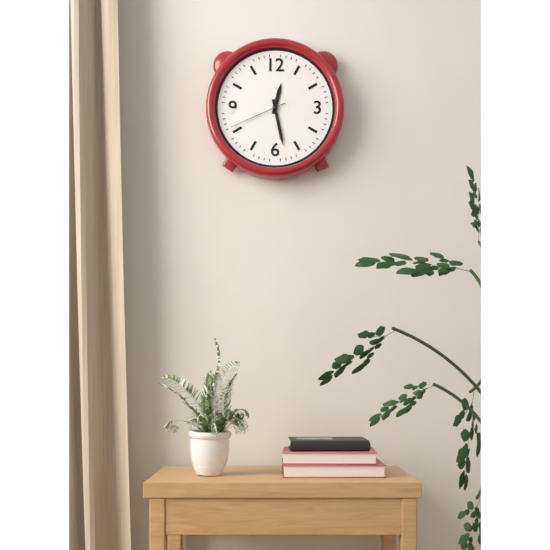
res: 12 h 28 min 41 s
